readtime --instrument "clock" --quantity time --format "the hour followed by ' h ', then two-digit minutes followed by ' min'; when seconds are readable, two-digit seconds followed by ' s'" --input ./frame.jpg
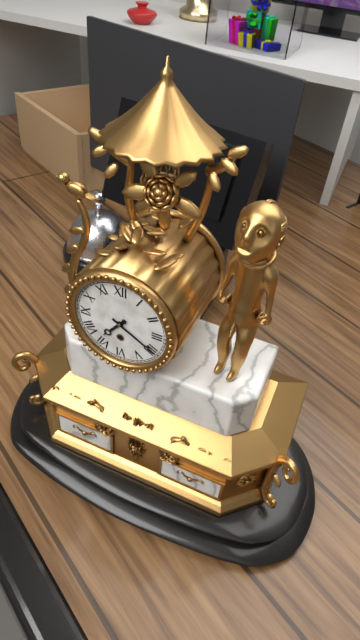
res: 7 h 20 min
